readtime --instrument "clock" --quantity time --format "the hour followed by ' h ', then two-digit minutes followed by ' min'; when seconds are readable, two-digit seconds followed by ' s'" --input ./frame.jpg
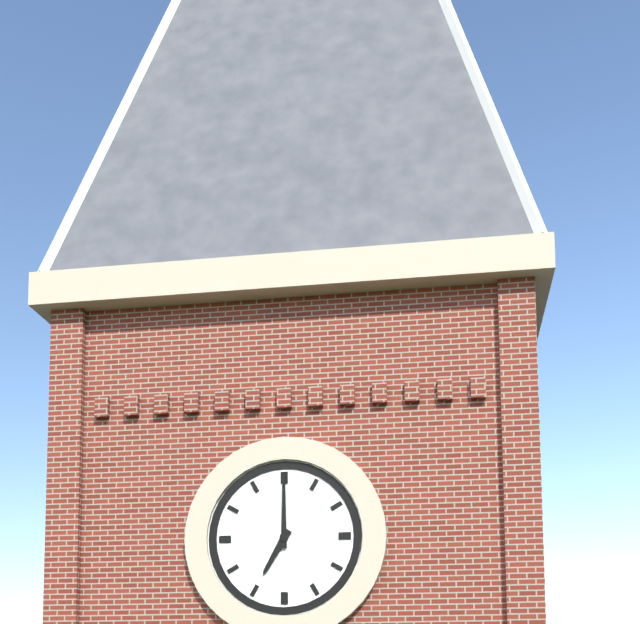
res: 7 h 00 min
